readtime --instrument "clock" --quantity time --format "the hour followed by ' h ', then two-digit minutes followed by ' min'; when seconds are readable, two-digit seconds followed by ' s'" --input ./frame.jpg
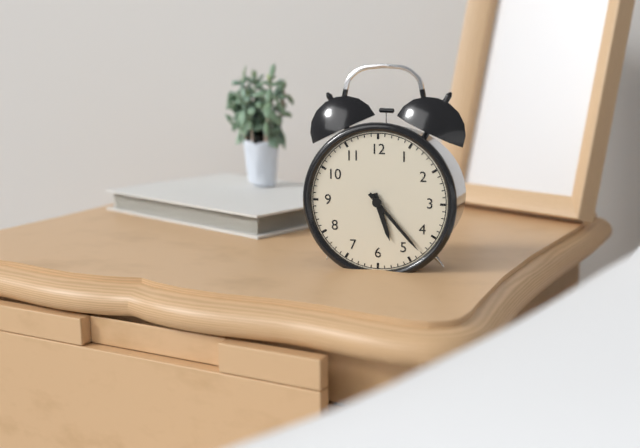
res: 5 h 23 min
